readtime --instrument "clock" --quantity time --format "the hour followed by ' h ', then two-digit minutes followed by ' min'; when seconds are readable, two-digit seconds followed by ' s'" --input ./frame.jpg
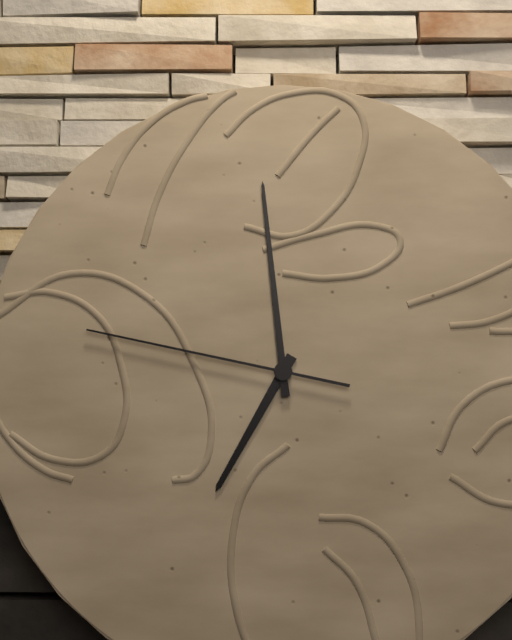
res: 6 h 59 min 47 s
